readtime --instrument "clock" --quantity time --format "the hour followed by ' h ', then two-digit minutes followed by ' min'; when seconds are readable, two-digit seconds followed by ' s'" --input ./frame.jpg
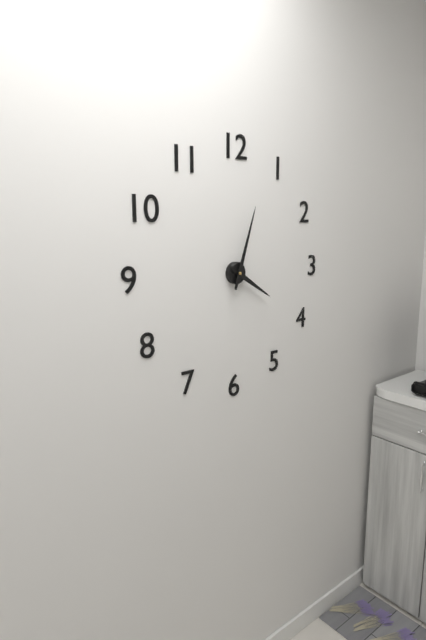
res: 4 h 03 min
